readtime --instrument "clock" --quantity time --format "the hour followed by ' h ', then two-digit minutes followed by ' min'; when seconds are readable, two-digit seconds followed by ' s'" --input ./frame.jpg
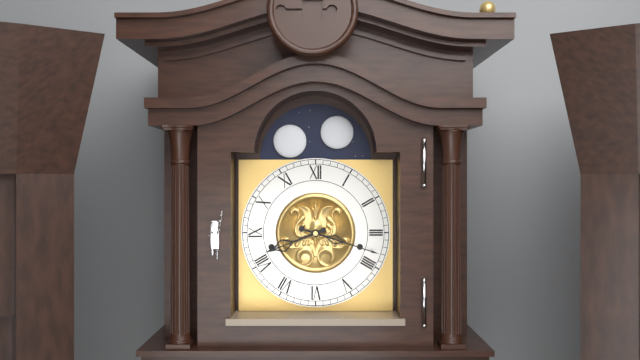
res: 8 h 18 min
